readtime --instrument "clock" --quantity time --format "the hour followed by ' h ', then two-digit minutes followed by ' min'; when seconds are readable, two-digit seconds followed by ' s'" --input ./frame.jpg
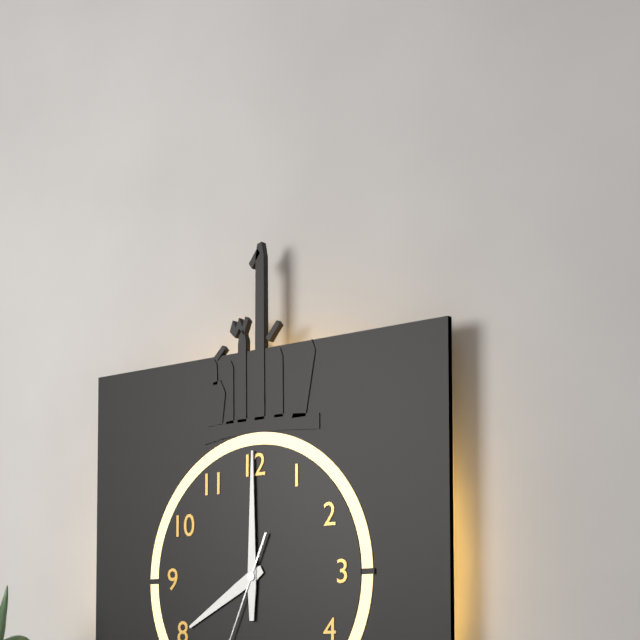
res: 8 h 00 min
